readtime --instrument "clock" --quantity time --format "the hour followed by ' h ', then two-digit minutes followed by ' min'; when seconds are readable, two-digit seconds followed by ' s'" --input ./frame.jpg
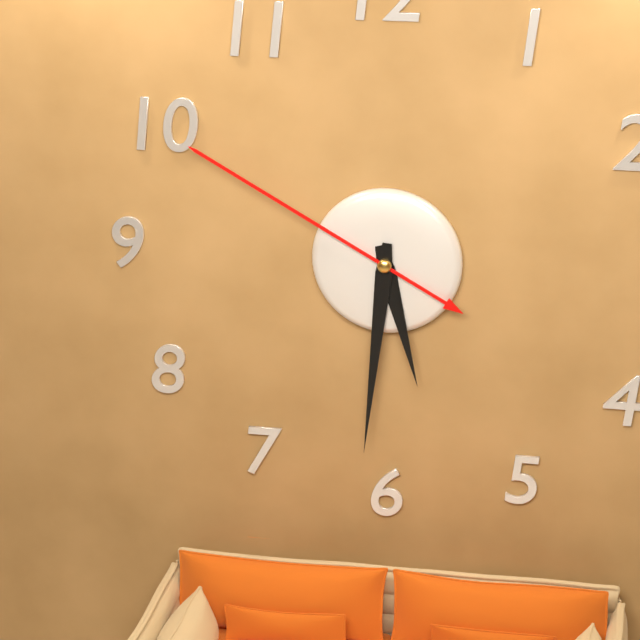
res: 5 h 31 min 50 s
